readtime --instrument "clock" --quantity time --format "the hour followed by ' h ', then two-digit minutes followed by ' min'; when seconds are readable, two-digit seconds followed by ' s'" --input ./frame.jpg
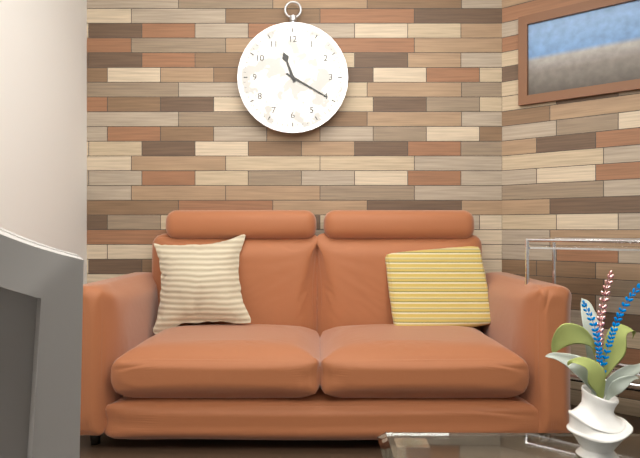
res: 11 h 20 min
